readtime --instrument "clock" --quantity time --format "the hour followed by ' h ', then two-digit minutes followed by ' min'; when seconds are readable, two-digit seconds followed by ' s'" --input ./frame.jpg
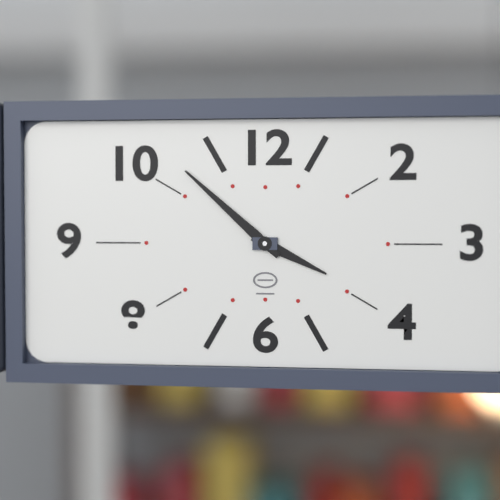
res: 3 h 52 min
